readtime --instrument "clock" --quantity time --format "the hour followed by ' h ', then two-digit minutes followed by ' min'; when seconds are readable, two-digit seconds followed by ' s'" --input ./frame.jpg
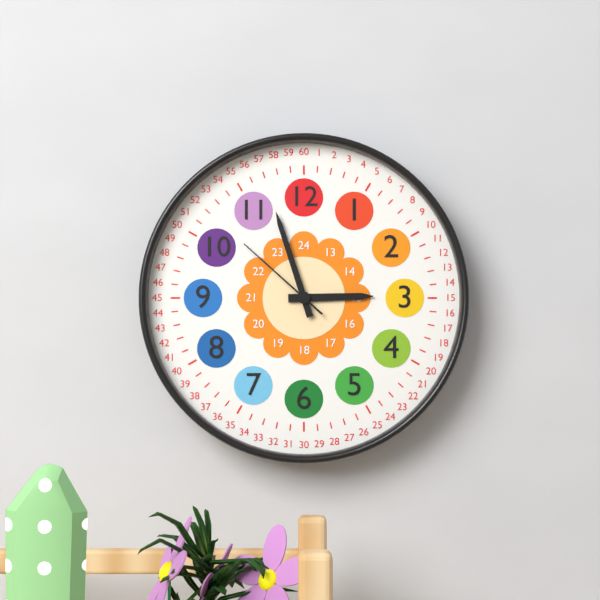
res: 2 h 57 min 52 s
